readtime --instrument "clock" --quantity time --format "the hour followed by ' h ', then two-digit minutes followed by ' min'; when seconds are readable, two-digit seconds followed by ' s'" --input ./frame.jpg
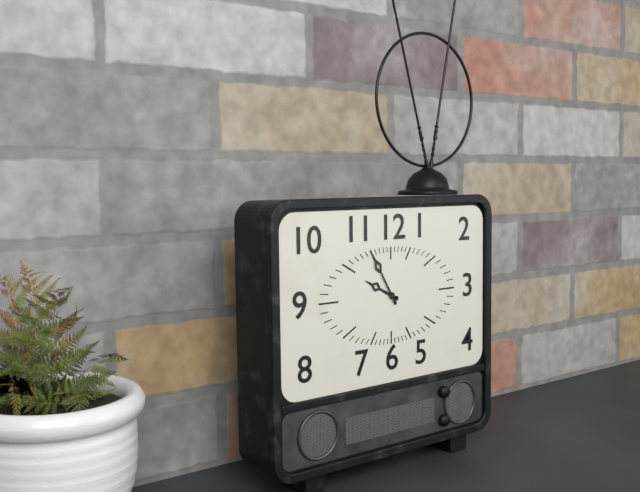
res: 9 h 55 min
